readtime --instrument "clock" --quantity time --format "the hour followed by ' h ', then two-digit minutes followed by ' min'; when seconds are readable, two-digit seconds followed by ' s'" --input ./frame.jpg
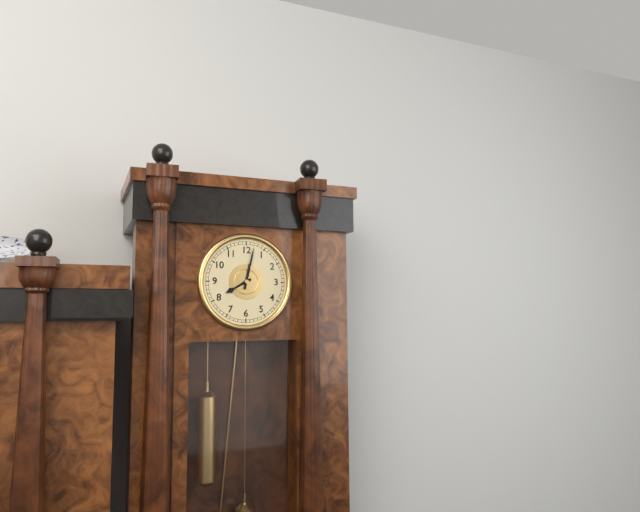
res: 8 h 02 min
